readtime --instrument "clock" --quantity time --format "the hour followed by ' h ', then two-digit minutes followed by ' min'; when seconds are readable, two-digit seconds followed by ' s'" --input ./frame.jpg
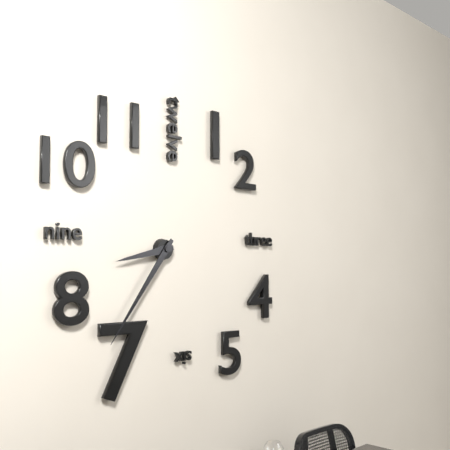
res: 8 h 36 min
